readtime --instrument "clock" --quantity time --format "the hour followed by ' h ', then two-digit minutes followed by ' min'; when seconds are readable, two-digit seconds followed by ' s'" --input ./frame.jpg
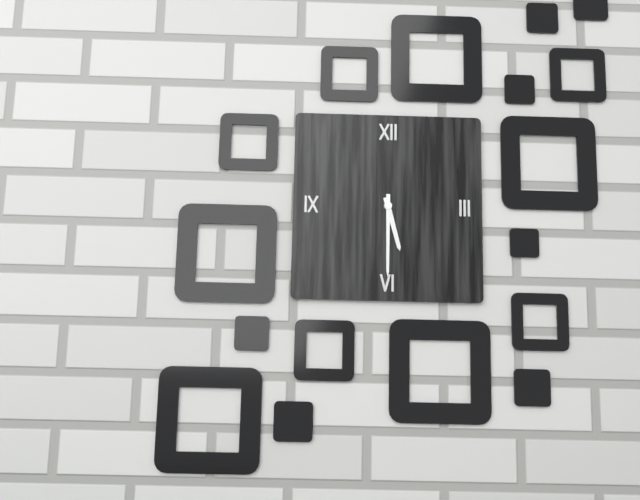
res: 5 h 30 min
